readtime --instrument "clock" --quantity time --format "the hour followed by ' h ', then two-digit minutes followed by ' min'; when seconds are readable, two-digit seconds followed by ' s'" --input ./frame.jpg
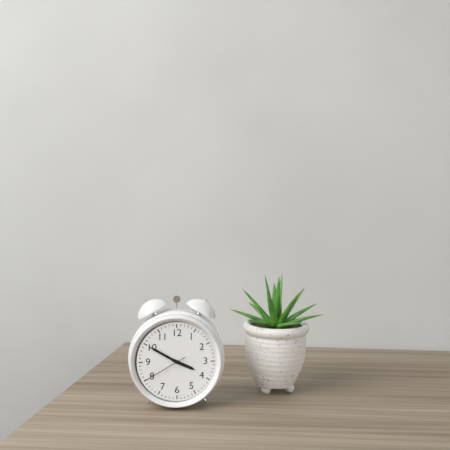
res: 3 h 50 min
